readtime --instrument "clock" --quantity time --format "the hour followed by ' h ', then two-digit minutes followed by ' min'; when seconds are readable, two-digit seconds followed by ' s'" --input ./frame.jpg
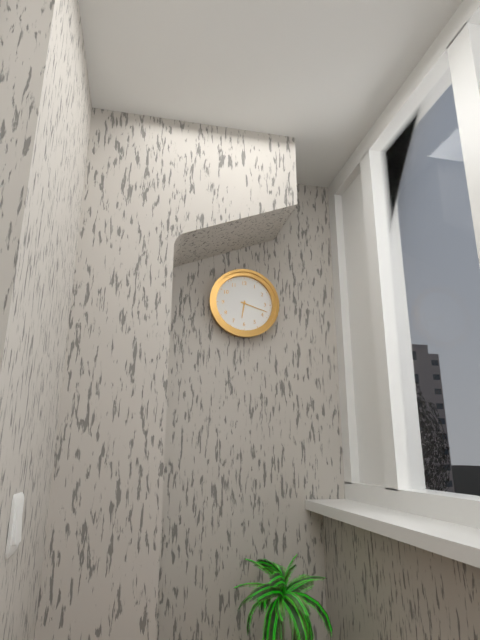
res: 6 h 18 min
